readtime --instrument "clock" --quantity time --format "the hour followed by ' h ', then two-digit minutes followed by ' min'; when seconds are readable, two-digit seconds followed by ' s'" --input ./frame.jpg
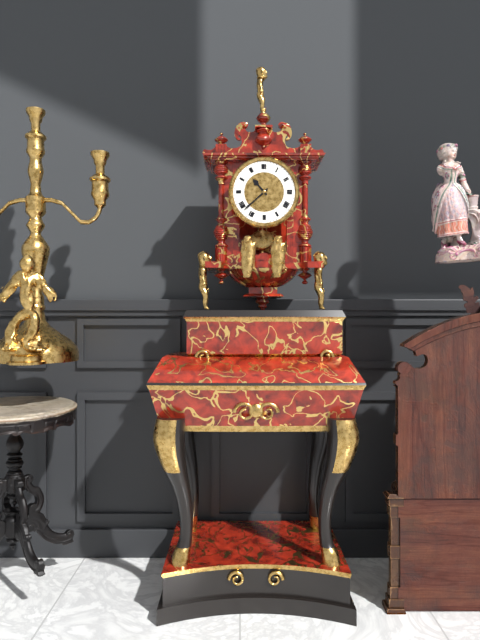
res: 10 h 38 min
